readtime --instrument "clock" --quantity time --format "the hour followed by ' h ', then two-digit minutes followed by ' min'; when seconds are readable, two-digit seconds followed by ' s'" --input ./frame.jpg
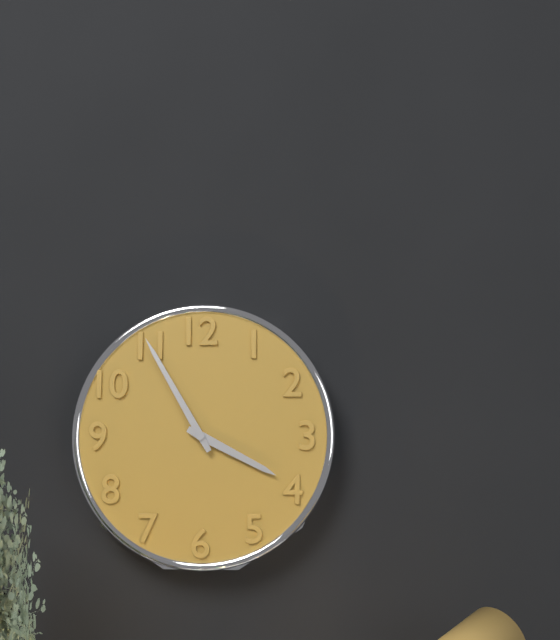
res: 3 h 55 min
